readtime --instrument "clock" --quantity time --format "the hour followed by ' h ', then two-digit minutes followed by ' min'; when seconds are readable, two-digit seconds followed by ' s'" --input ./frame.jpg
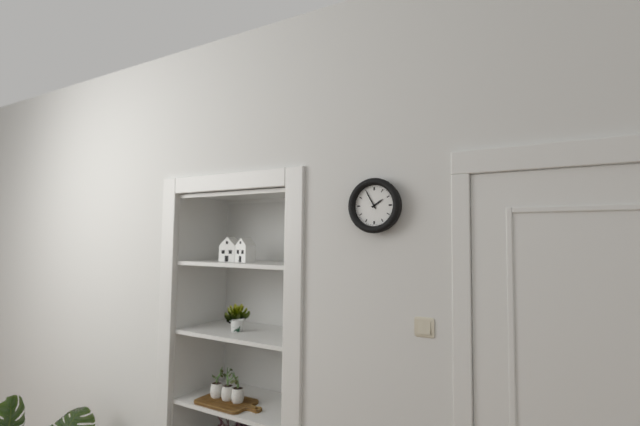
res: 1 h 55 min
